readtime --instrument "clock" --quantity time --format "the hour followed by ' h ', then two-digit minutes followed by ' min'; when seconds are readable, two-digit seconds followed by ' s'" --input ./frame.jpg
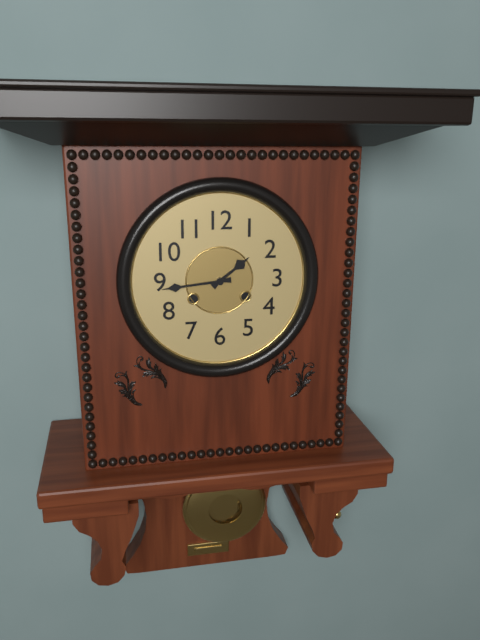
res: 1 h 44 min
